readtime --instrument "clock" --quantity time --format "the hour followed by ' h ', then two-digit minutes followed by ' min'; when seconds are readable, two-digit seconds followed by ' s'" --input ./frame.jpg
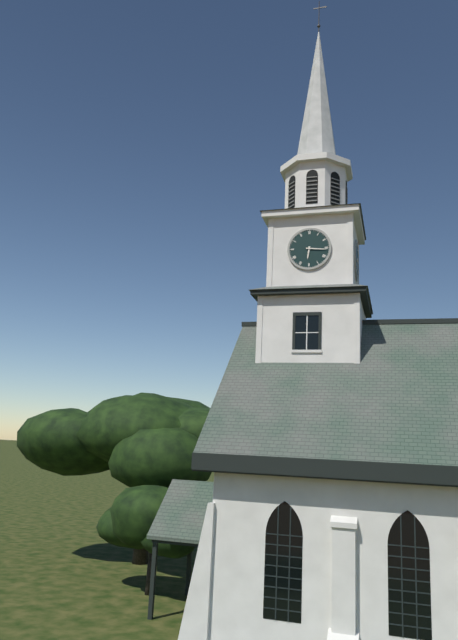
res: 6 h 16 min
